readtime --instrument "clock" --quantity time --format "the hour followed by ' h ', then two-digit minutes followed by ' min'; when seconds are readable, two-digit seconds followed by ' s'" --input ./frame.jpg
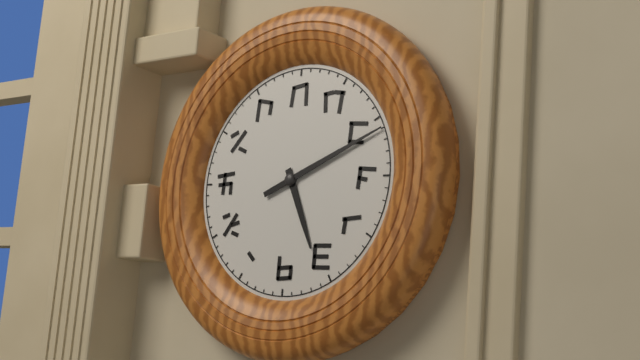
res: 5 h 11 min
